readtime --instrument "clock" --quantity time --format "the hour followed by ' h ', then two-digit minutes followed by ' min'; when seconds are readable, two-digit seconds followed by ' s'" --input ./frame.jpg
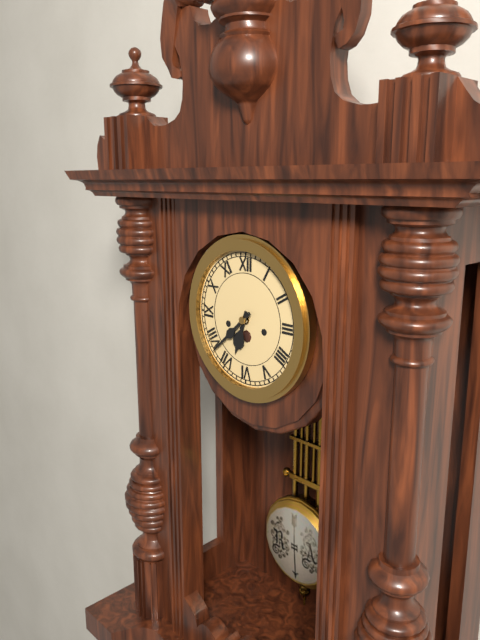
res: 6 h 38 min
